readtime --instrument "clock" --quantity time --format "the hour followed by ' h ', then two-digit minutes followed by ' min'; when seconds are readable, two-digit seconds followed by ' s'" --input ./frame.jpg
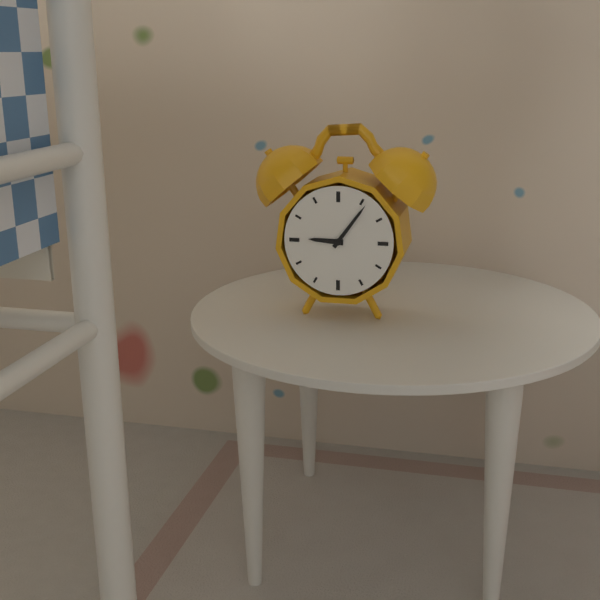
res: 9 h 06 min
